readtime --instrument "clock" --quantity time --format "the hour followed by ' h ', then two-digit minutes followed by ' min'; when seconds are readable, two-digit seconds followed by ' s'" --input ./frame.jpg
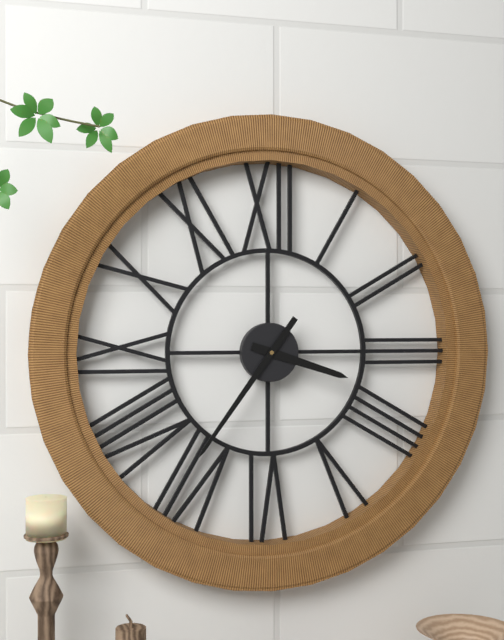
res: 3 h 36 min
